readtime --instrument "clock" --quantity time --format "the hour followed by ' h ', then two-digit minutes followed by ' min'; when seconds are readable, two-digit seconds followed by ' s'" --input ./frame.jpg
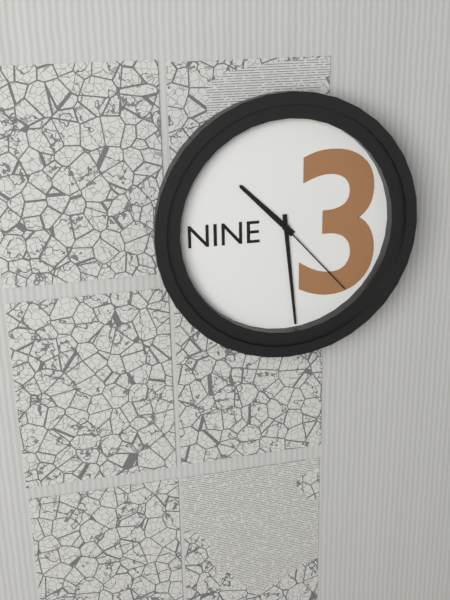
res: 10 h 29 min 23 s
